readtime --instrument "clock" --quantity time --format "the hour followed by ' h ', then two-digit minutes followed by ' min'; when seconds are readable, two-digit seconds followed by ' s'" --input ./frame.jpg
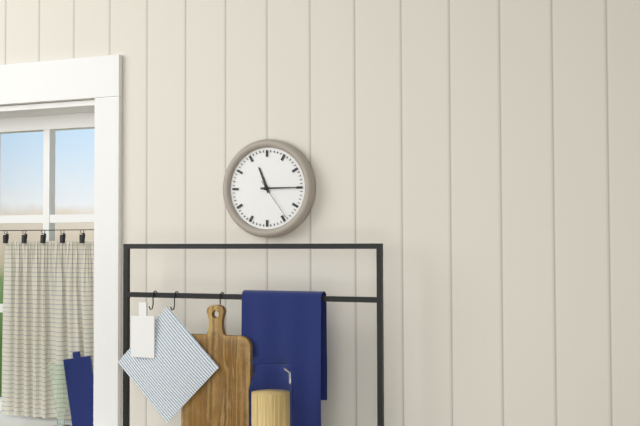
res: 11 h 15 min
